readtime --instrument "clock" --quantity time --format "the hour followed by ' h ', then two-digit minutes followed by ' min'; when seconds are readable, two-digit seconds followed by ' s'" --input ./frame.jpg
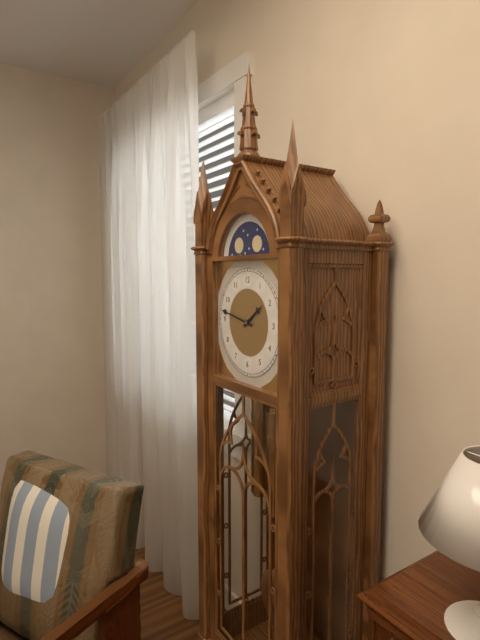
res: 1 h 47 min
